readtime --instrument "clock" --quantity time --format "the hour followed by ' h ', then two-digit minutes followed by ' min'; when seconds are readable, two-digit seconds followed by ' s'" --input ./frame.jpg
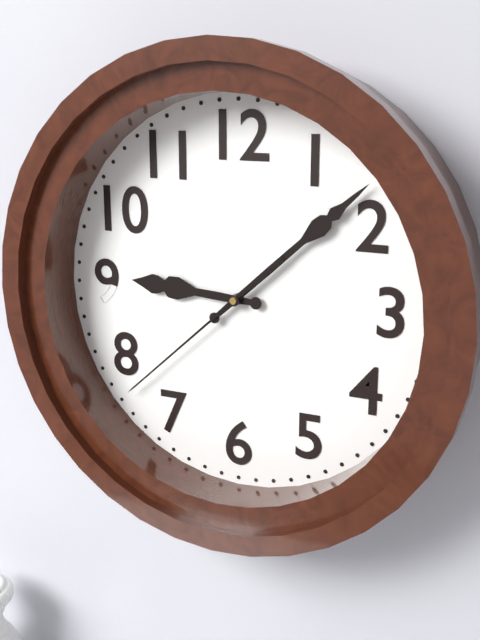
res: 9 h 08 min 38 s
